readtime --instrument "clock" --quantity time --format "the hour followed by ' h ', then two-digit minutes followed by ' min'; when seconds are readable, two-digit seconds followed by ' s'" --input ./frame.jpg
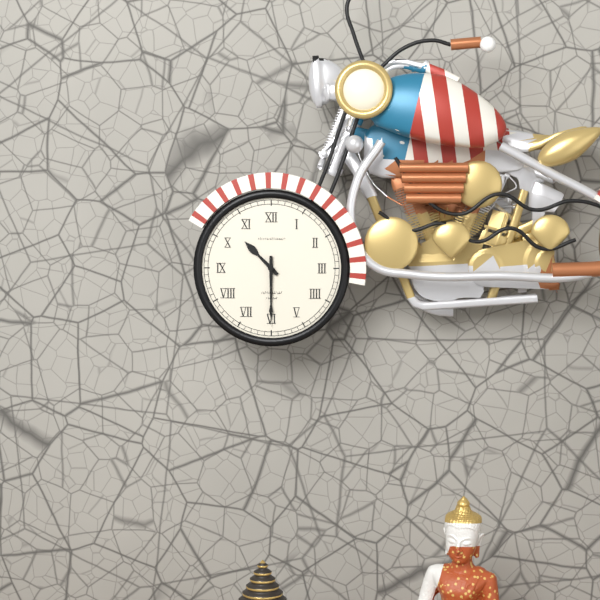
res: 10 h 30 min
